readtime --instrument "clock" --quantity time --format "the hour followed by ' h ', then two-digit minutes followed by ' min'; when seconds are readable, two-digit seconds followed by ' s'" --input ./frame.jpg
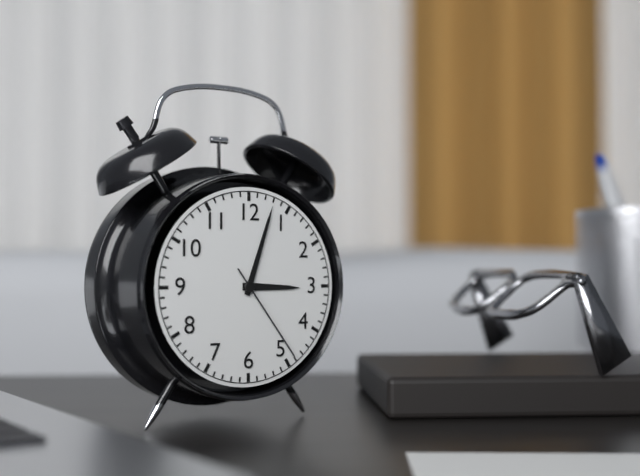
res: 3 h 03 min 24 s
